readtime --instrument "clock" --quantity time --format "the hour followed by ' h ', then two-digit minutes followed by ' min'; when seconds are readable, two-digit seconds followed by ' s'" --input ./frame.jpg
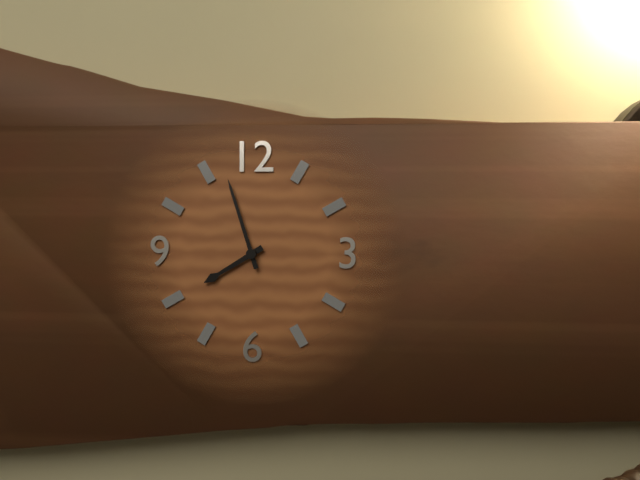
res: 7 h 57 min
